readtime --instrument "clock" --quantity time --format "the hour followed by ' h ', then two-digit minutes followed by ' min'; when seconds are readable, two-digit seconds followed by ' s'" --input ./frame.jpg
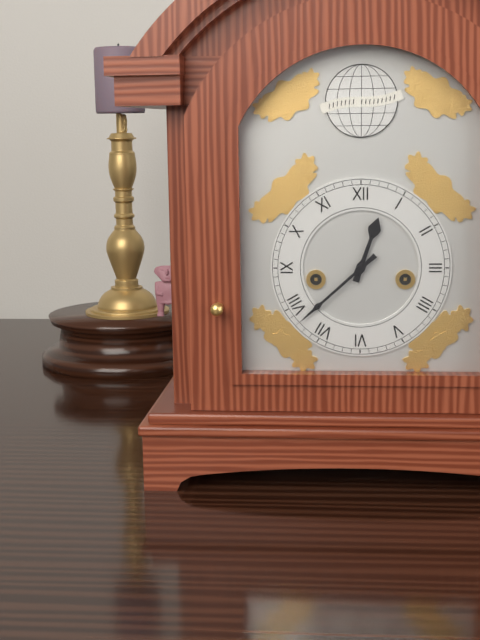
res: 12 h 38 min
